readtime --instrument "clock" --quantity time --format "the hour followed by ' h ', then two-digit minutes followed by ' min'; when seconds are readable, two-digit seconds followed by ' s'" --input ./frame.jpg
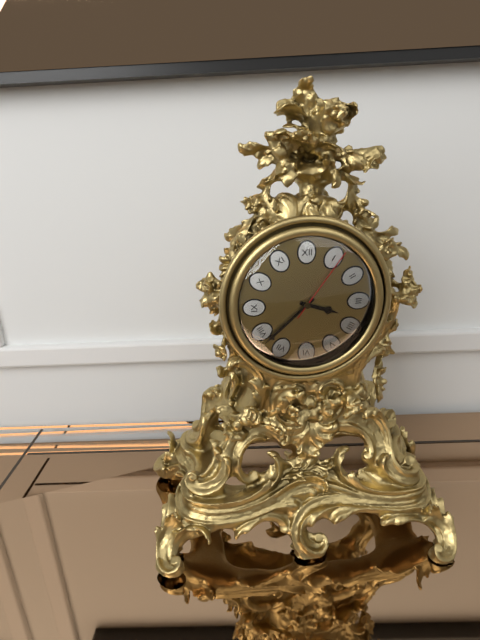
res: 3 h 38 min 06 s
